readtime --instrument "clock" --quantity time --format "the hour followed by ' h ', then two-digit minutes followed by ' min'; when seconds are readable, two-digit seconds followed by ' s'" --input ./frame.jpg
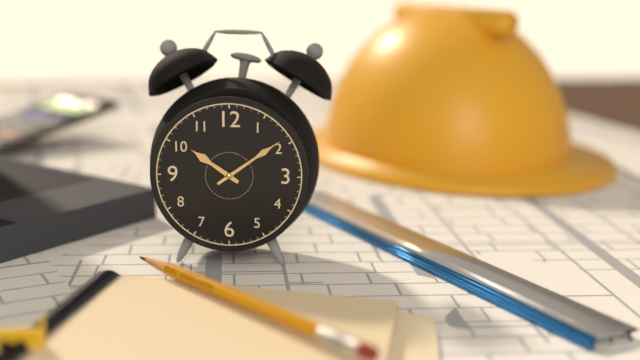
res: 10 h 09 min
